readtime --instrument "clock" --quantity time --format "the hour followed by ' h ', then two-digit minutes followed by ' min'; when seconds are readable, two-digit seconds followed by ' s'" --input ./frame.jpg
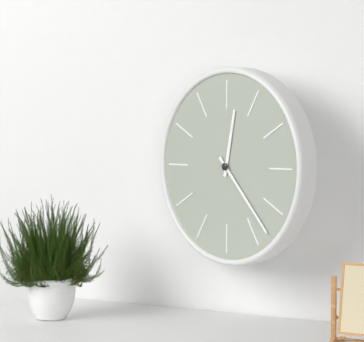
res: 12 h 23 min
